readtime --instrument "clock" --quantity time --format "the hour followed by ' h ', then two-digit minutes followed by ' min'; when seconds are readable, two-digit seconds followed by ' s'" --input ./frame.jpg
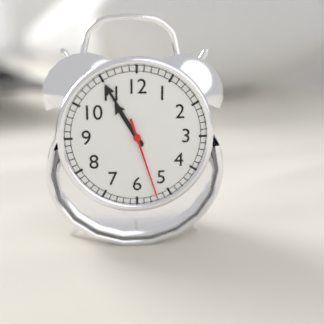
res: 10 h 55 min 27 s
